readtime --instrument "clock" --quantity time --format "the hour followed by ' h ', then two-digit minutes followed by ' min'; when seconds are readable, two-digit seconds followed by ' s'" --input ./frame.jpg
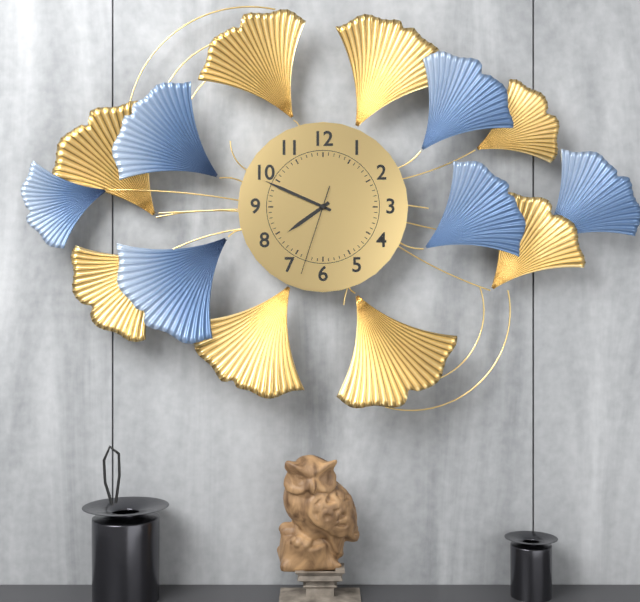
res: 7 h 49 min 33 s
